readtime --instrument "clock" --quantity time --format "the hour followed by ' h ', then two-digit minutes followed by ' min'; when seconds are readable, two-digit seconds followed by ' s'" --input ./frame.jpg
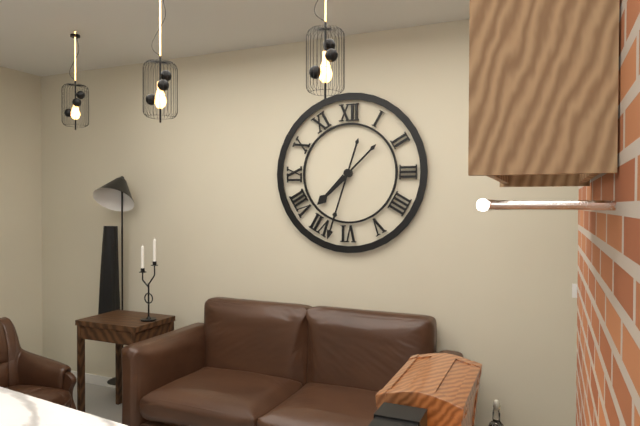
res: 7 h 33 min
